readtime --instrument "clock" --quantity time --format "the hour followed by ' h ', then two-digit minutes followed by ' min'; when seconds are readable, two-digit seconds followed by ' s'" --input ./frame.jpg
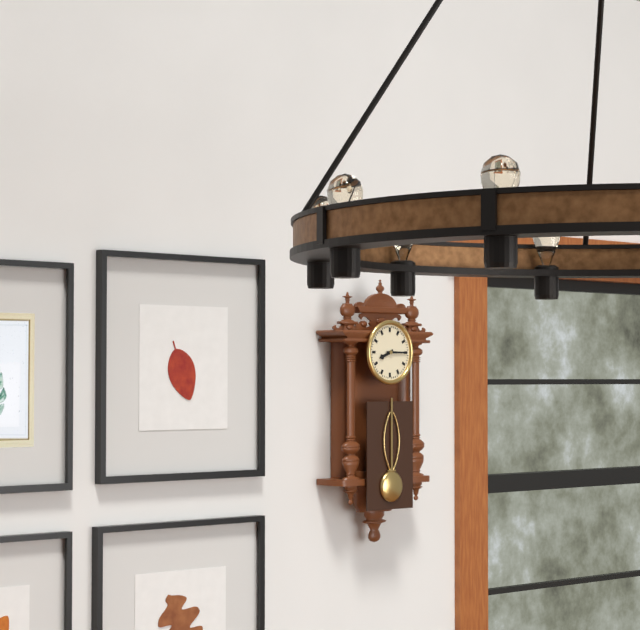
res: 8 h 15 min
